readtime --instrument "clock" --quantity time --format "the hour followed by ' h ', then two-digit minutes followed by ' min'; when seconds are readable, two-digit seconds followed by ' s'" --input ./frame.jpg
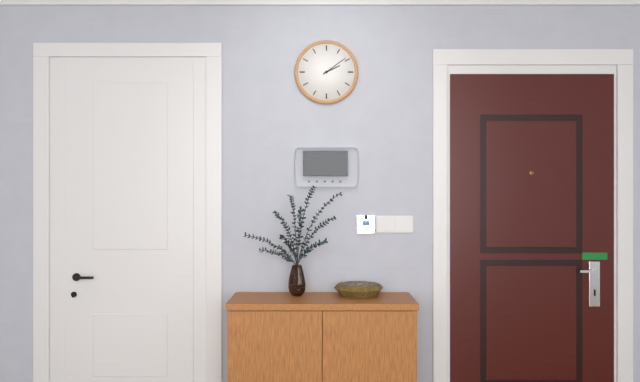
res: 2 h 09 min
